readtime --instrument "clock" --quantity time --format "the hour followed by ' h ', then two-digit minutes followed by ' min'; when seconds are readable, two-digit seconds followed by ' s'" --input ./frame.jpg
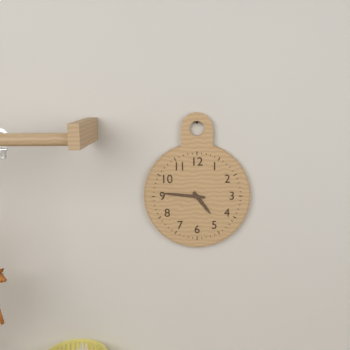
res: 4 h 46 min
